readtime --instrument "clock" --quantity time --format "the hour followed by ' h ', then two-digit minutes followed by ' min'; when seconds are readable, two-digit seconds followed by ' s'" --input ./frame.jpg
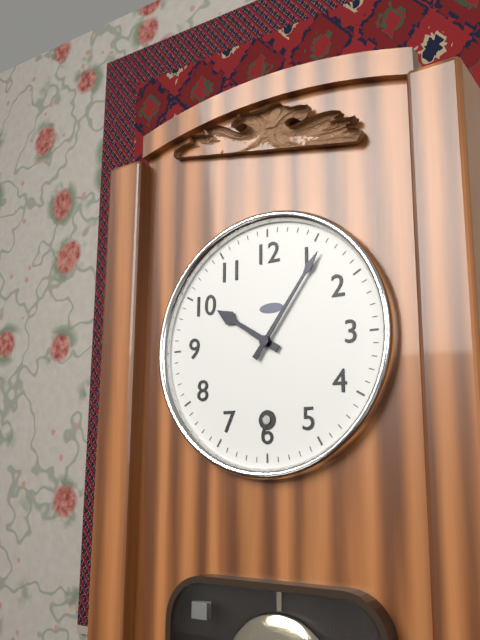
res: 10 h 06 min
